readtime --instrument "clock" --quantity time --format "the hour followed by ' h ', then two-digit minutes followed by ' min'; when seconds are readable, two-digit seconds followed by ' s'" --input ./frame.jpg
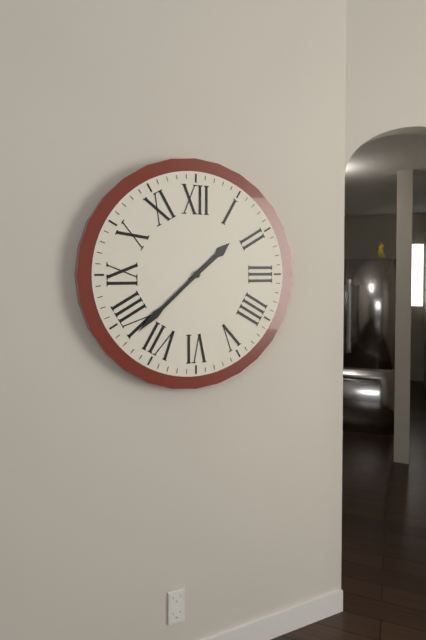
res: 1 h 38 min
